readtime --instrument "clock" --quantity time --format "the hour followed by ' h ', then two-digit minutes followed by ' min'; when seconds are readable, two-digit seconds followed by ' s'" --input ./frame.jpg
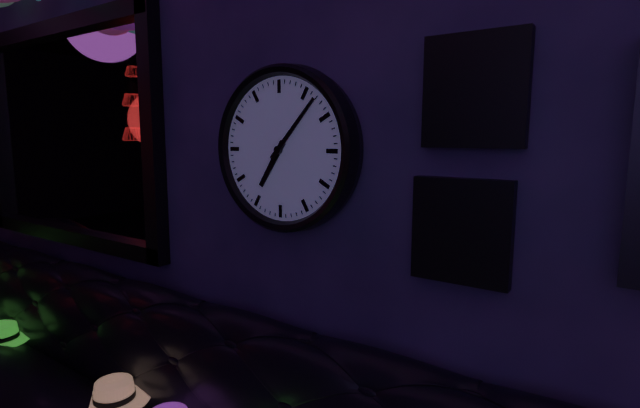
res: 7 h 07 min
